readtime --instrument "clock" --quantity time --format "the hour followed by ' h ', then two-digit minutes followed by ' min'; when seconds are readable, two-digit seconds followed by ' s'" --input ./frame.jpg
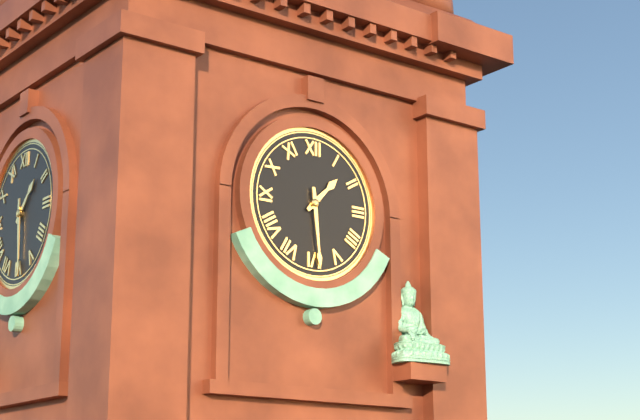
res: 1 h 29 min
